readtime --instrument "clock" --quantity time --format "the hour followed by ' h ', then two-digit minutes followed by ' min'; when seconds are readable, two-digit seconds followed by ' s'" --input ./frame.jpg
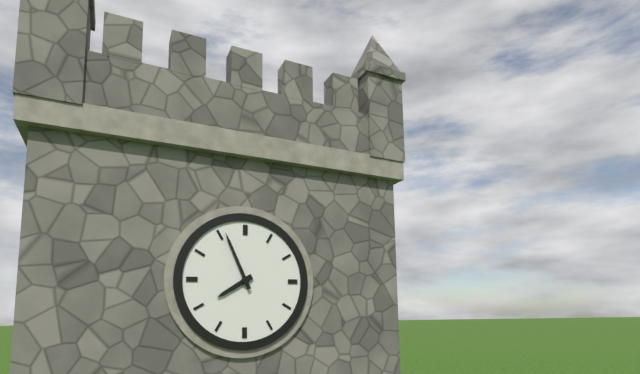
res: 7 h 56 min
